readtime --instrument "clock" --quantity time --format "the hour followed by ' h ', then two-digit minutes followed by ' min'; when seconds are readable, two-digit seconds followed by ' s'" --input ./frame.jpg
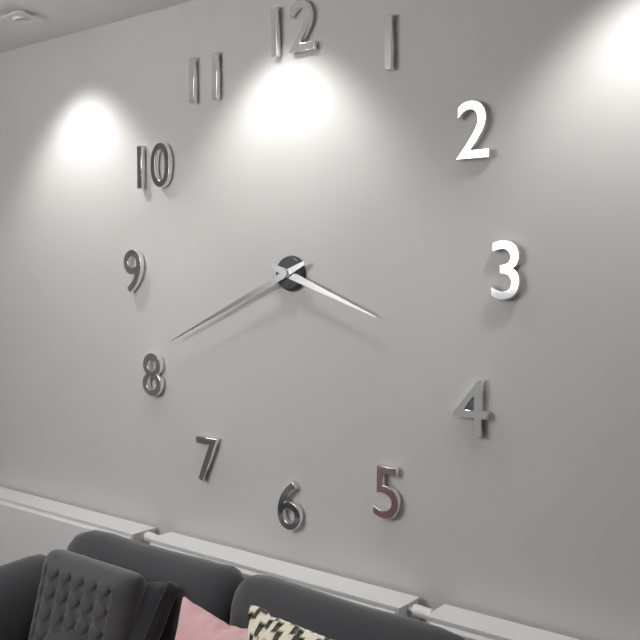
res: 3 h 41 min
